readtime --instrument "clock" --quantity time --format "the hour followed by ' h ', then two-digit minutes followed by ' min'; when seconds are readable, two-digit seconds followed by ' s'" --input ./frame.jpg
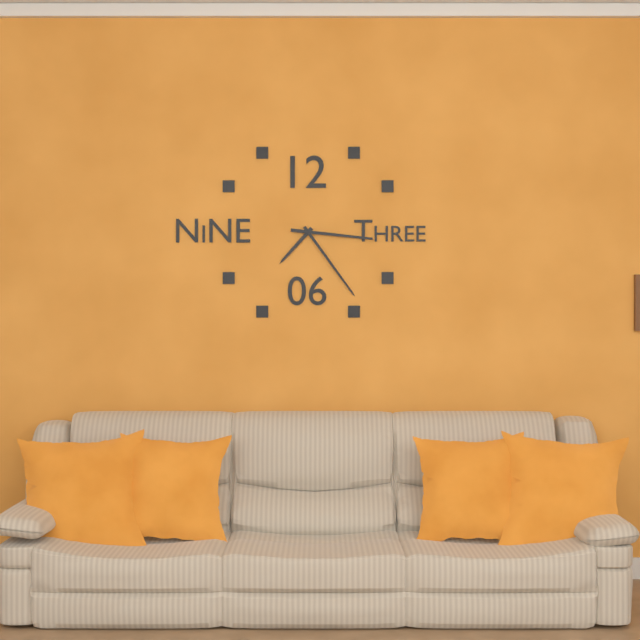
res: 7 h 24 min 16 s
